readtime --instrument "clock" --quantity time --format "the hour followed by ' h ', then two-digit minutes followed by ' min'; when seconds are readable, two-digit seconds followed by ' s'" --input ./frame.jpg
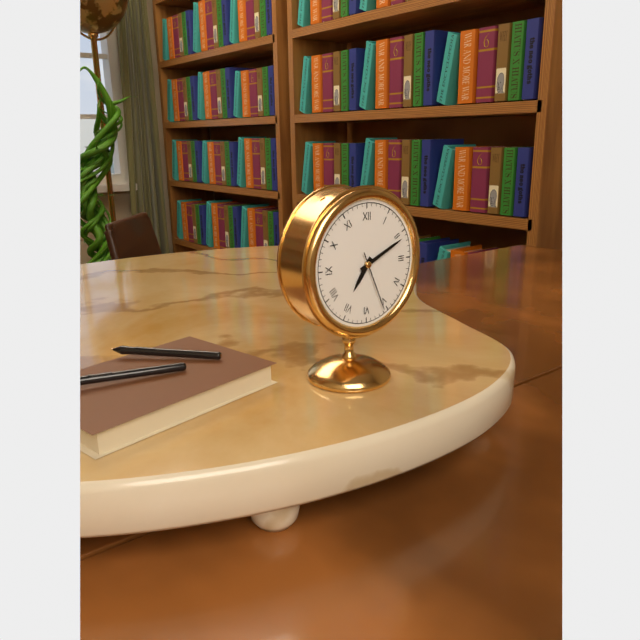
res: 7 h 11 min 26 s
